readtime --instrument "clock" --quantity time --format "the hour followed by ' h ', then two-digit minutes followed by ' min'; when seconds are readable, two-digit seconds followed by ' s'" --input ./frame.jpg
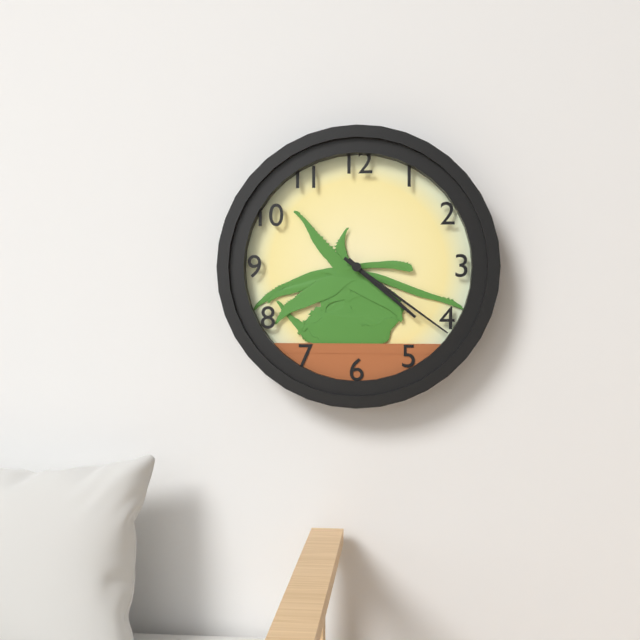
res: 4 h 21 min
